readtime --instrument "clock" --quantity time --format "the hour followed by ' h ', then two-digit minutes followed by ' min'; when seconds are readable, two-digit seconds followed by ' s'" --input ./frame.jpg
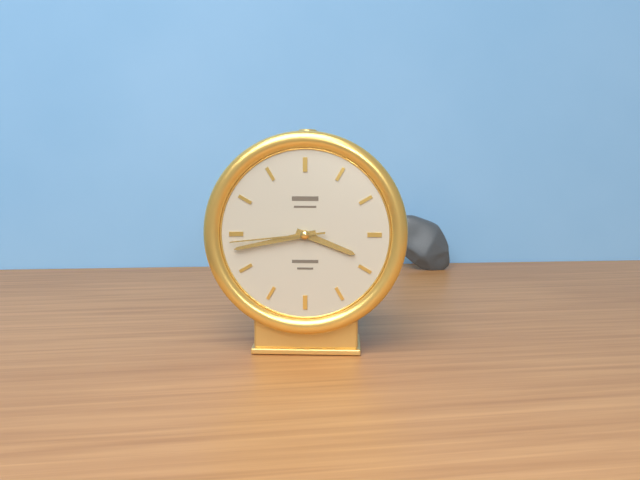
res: 3 h 43 min 44 s
